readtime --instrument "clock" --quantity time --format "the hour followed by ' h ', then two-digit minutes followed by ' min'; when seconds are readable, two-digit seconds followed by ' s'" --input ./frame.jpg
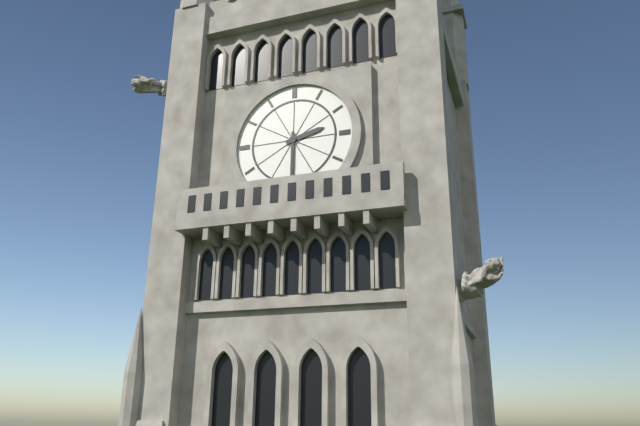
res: 2 h 30 min
